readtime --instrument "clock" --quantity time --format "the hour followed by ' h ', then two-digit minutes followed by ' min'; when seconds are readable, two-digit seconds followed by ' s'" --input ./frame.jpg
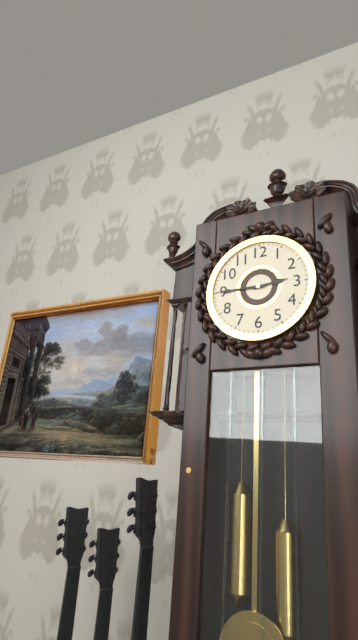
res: 2 h 45 min
